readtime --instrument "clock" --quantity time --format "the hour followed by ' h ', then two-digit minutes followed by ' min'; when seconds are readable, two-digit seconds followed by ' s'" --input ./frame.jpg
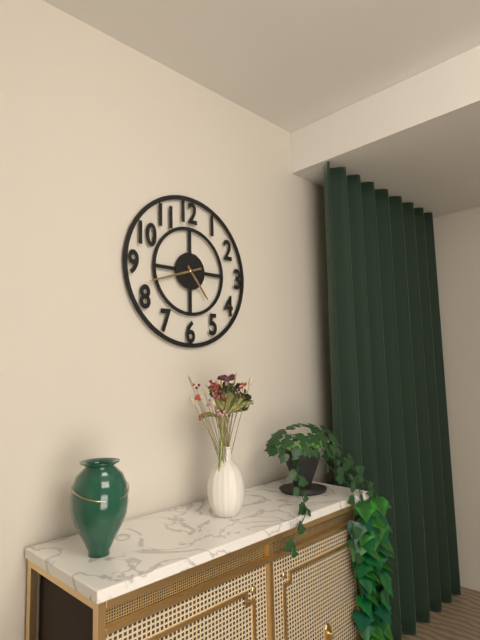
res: 4 h 42 min
